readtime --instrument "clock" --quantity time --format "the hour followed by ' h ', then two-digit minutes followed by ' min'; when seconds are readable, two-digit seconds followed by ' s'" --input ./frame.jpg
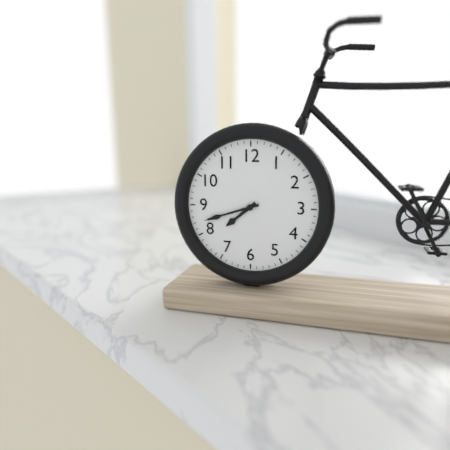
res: 7 h 42 min
